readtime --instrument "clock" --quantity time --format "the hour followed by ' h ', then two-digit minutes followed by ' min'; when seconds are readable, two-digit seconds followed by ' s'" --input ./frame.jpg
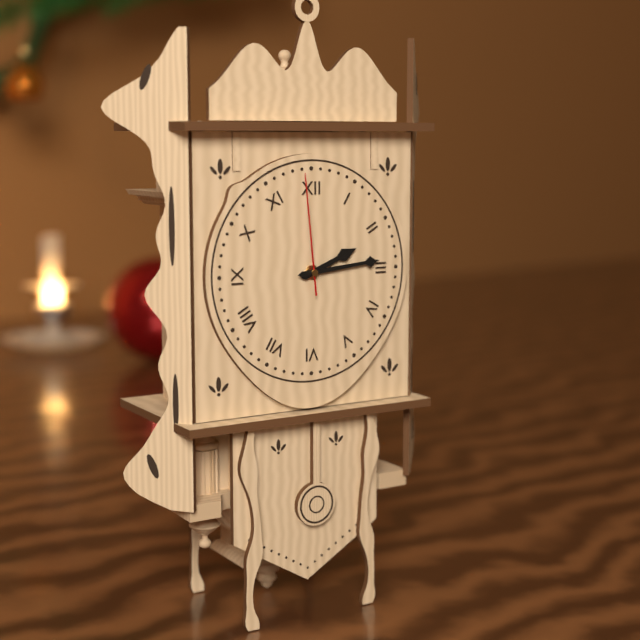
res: 2 h 14 min 59 s
